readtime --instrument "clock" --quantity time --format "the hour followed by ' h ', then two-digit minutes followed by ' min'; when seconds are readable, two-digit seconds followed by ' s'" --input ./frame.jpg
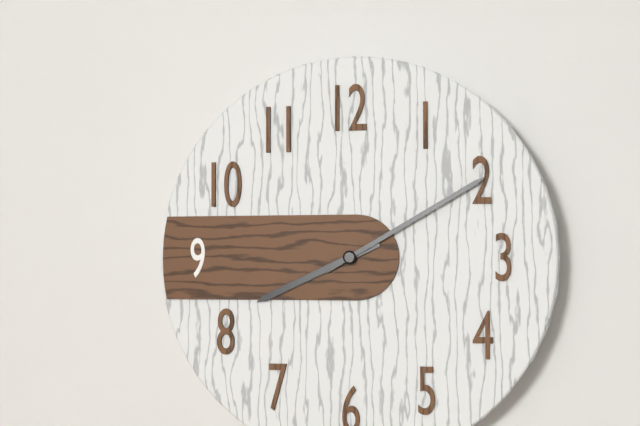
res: 8 h 10 min
